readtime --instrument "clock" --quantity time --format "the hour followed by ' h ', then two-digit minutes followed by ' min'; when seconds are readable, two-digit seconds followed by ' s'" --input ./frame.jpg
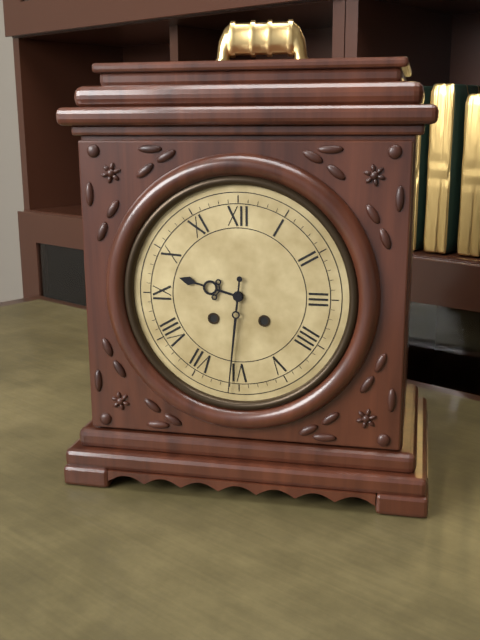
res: 9 h 31 min
